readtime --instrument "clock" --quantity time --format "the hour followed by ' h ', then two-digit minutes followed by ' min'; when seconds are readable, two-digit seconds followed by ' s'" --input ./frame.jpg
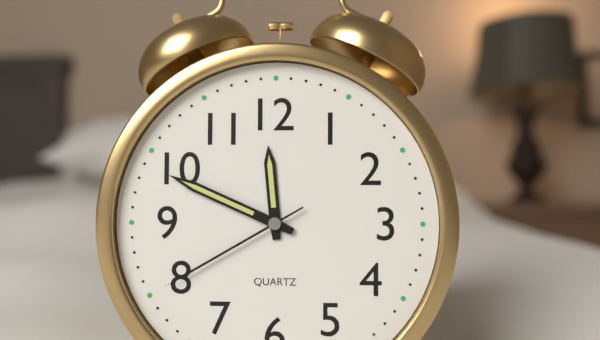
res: 11 h 49 min 40 s
